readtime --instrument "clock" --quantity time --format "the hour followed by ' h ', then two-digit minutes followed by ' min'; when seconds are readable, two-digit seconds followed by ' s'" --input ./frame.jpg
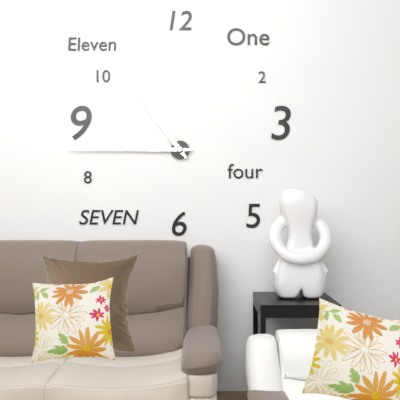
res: 10 h 45 min
